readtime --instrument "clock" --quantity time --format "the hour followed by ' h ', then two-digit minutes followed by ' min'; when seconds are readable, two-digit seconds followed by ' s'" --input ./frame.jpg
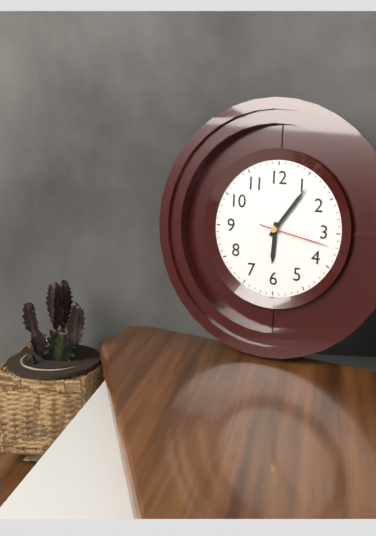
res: 6 h 06 min 17 s
